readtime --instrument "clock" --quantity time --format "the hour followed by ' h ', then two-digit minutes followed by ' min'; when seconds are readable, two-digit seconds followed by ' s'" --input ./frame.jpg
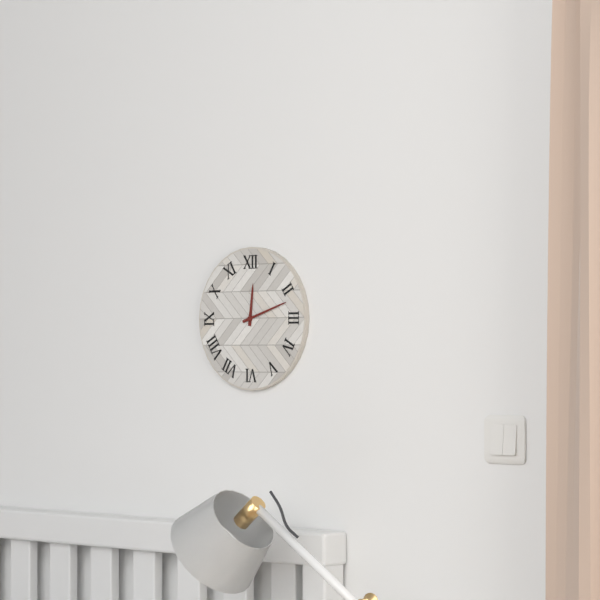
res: 12 h 12 min
